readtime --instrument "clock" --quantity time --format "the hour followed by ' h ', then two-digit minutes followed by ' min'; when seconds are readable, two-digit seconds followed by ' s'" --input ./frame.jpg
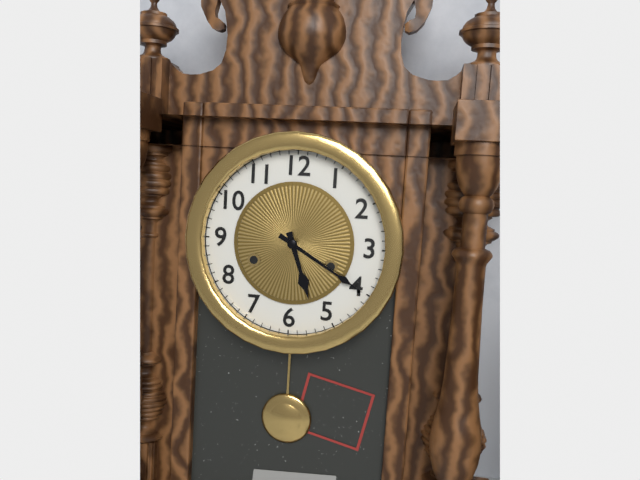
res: 5 h 20 min
